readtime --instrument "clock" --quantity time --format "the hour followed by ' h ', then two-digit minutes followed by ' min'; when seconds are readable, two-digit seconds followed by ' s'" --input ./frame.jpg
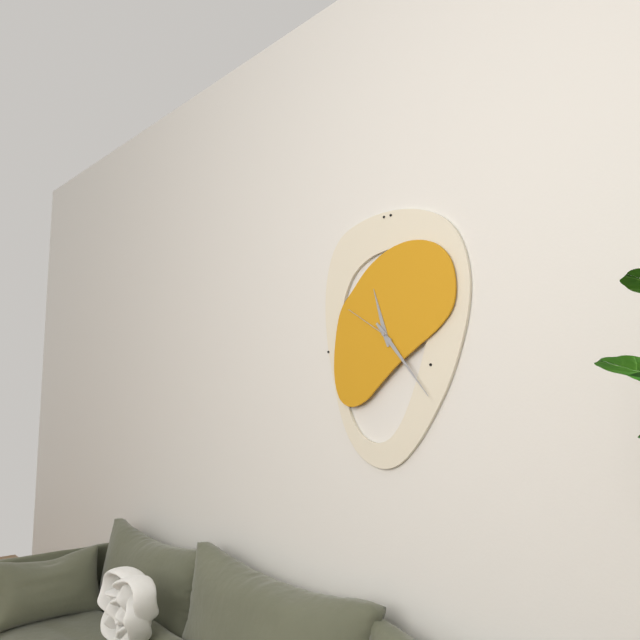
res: 11 h 23 min 50 s
